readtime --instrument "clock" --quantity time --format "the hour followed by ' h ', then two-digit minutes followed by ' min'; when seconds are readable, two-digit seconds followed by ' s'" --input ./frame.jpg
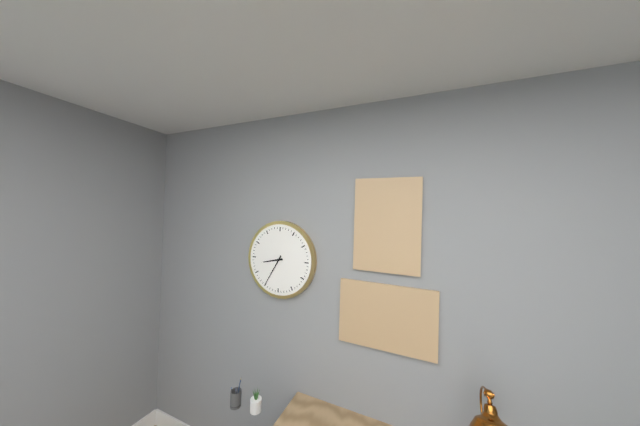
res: 8 h 35 min
